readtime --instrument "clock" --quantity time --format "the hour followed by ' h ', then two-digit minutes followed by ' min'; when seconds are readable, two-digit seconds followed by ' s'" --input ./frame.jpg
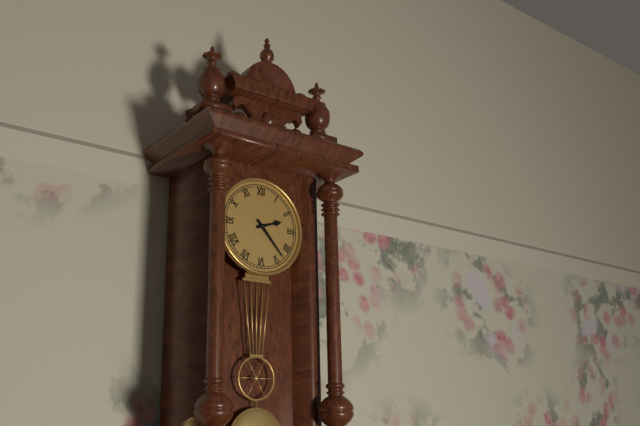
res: 2 h 23 min
